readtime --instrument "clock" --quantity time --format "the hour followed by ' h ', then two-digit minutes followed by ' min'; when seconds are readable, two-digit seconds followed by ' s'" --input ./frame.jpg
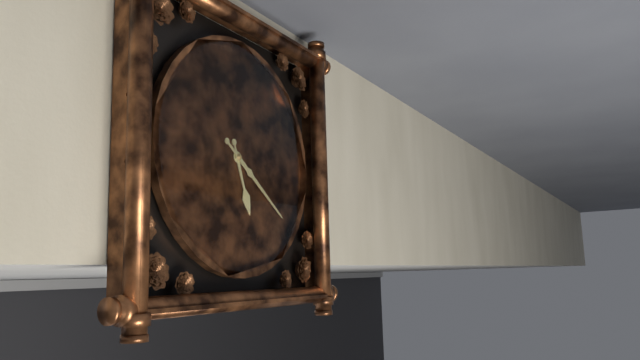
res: 5 h 21 min
